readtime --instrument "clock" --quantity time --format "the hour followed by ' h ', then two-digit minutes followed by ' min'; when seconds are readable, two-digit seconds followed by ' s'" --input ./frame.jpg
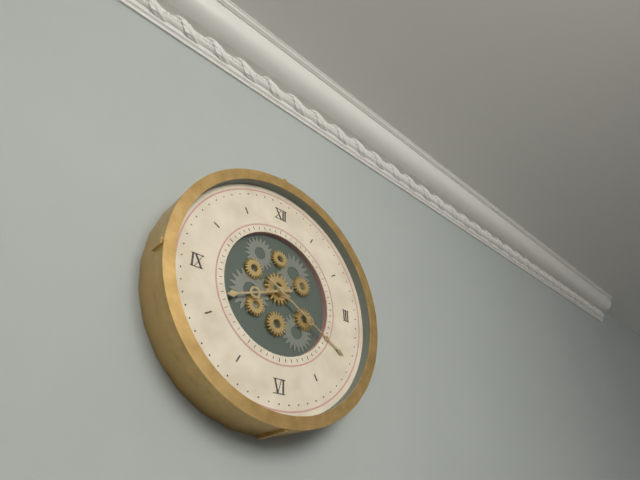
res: 8 h 20 min
